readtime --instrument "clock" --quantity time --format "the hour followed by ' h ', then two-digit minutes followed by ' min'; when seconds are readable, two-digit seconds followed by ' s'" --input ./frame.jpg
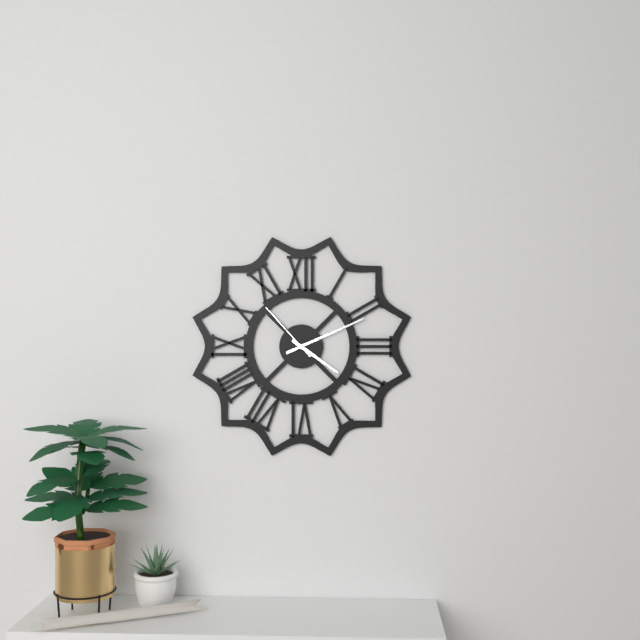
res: 4 h 11 min 53 s
